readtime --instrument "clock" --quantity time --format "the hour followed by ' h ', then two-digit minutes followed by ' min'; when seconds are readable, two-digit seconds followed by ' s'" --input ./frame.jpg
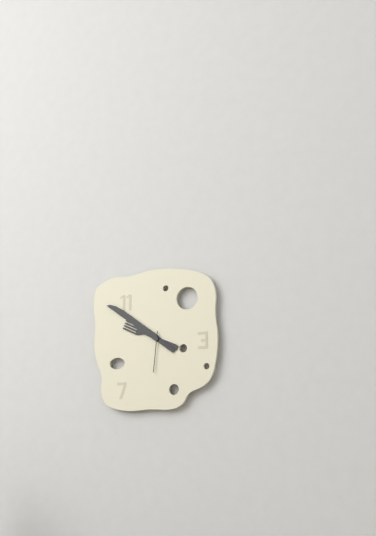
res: 9 h 51 min
